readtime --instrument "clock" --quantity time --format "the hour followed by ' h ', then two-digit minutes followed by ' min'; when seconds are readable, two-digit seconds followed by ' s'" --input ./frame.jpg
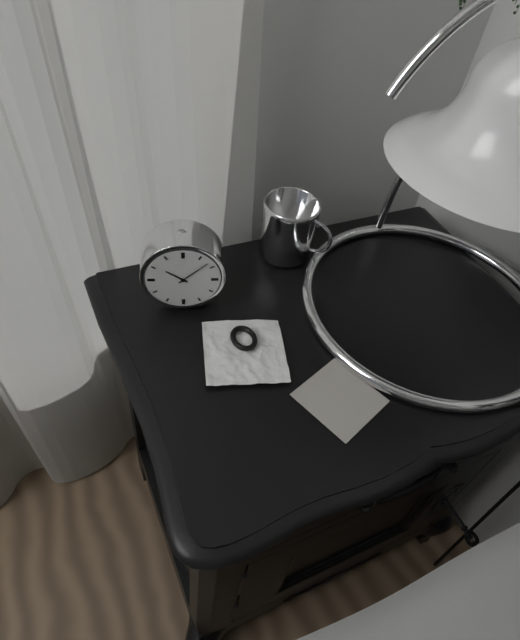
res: 10 h 08 min
